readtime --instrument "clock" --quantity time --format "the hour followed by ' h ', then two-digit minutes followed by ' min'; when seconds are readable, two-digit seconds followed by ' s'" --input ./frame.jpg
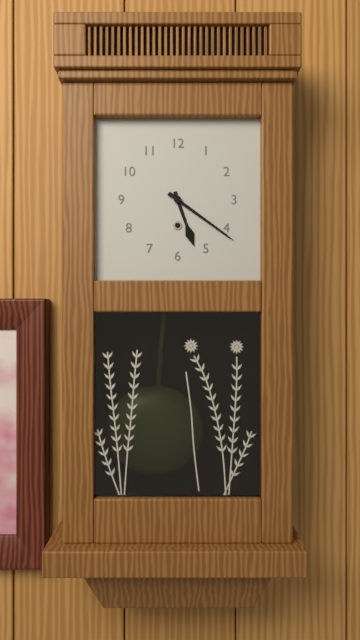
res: 5 h 21 min
